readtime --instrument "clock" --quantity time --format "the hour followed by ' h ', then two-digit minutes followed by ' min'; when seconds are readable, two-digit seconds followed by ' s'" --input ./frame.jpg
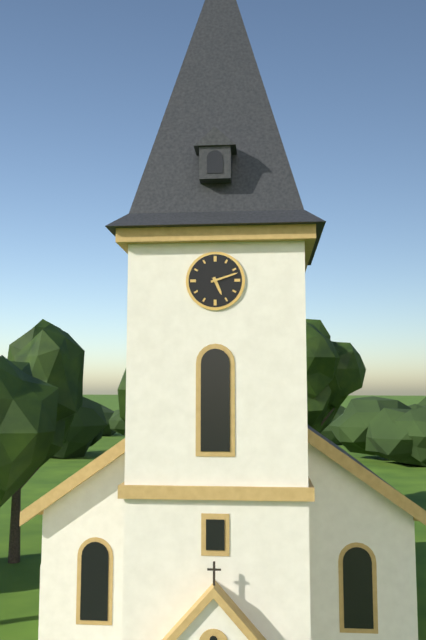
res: 5 h 12 min
